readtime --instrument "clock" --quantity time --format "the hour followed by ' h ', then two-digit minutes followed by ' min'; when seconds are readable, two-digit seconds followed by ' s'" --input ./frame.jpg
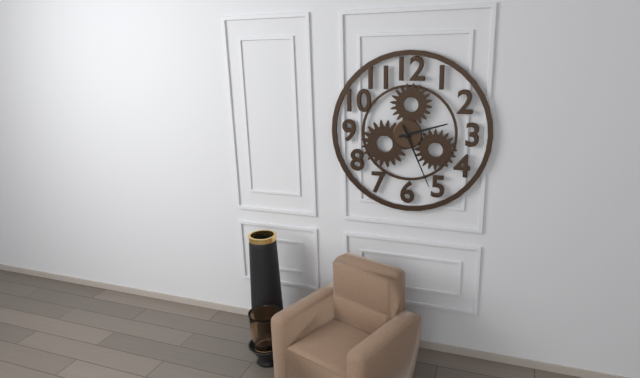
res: 2 h 26 min
